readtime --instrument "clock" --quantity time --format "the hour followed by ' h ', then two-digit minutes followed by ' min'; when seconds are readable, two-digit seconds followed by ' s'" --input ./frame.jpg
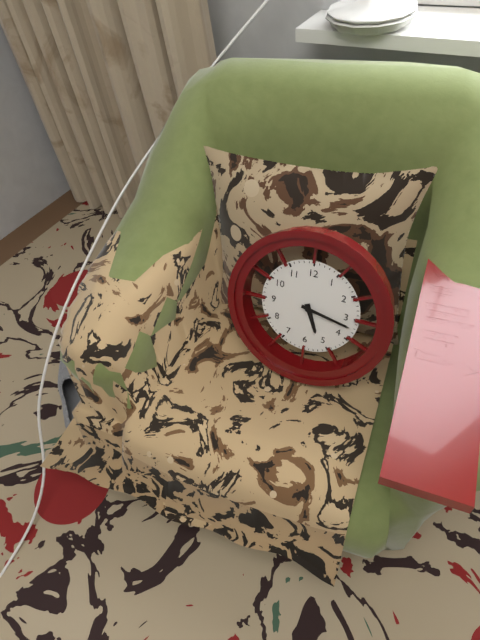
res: 5 h 17 min
